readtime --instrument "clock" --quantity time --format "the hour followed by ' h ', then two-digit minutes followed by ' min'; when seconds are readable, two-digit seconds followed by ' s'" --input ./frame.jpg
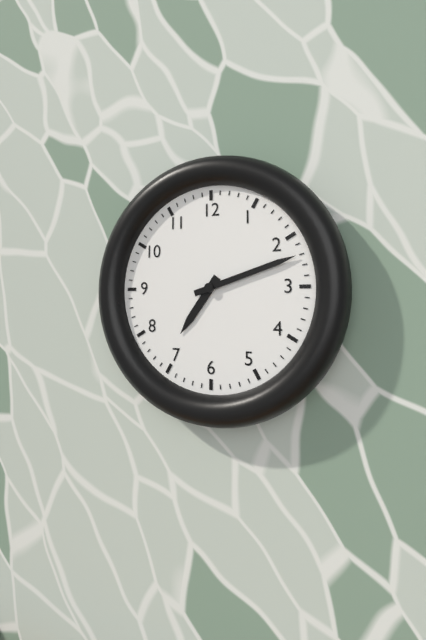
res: 7 h 12 min
